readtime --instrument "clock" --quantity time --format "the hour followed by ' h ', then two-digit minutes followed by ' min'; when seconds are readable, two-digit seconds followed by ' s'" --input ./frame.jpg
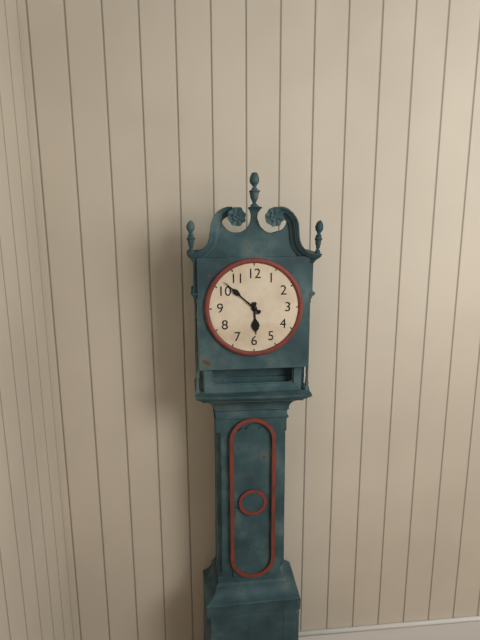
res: 5 h 52 min
